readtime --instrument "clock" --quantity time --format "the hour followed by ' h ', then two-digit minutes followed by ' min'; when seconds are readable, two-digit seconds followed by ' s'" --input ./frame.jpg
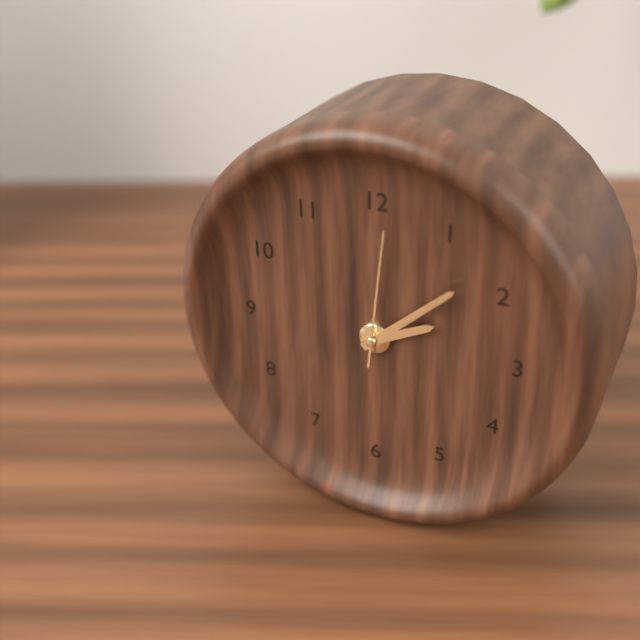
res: 2 h 08 min 01 s
